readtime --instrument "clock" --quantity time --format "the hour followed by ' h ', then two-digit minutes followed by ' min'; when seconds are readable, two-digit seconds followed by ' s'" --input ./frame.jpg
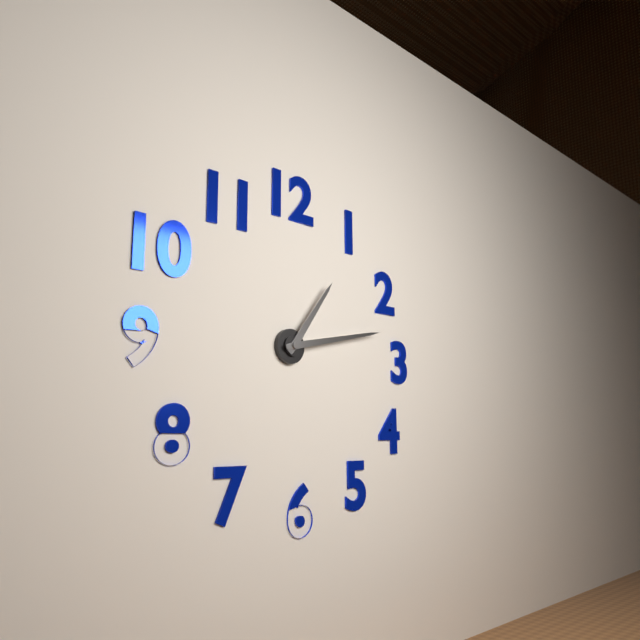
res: 1 h 13 min
